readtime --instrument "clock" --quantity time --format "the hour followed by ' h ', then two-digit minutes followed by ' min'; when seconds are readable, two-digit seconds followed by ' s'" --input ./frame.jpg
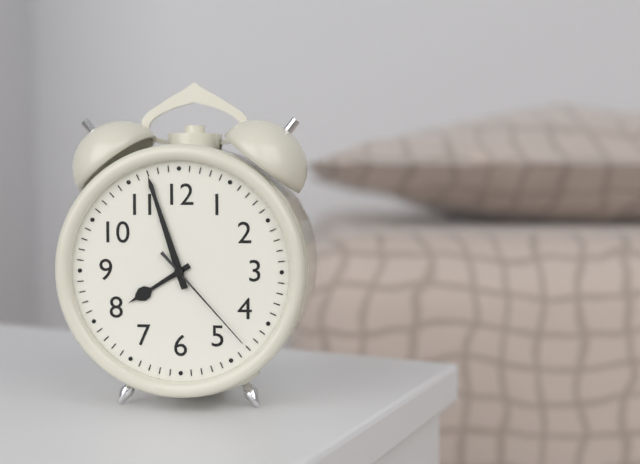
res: 7 h 57 min 23 s
